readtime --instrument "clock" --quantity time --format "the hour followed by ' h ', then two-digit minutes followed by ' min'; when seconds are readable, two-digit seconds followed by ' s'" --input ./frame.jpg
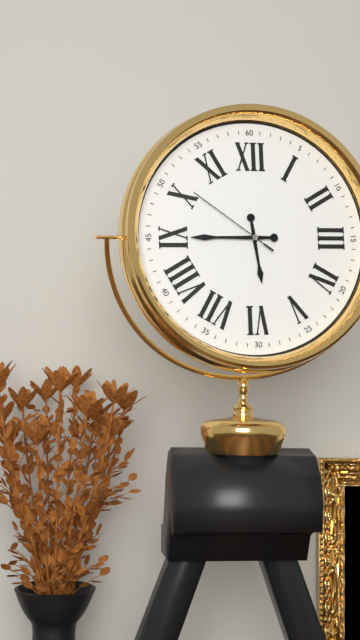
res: 5 h 45 min 51 s
